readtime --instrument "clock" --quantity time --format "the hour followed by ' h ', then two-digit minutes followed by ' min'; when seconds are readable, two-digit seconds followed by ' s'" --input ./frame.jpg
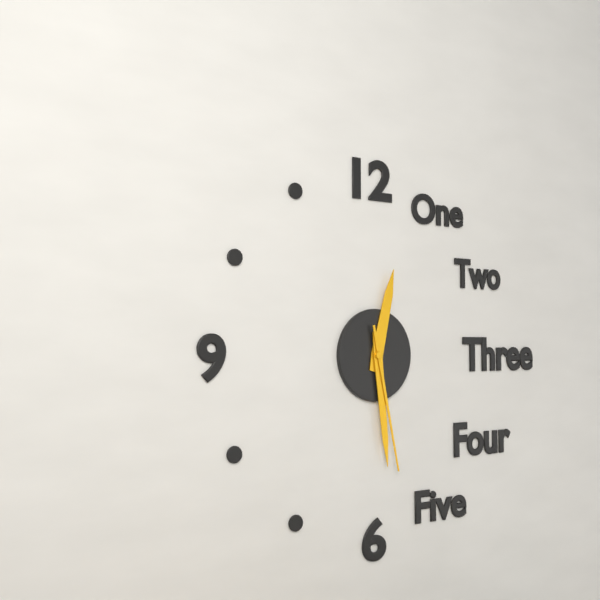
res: 12 h 29 min 28 s
